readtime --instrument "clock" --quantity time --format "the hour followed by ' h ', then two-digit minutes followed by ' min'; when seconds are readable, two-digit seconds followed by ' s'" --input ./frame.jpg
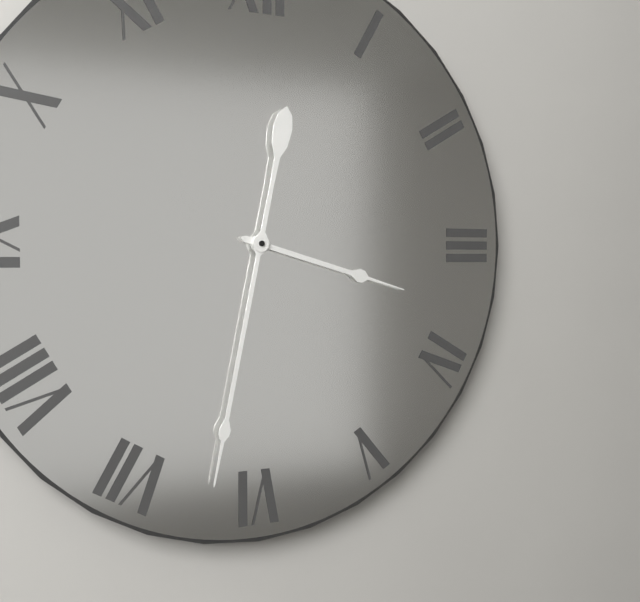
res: 3 h 32 min
